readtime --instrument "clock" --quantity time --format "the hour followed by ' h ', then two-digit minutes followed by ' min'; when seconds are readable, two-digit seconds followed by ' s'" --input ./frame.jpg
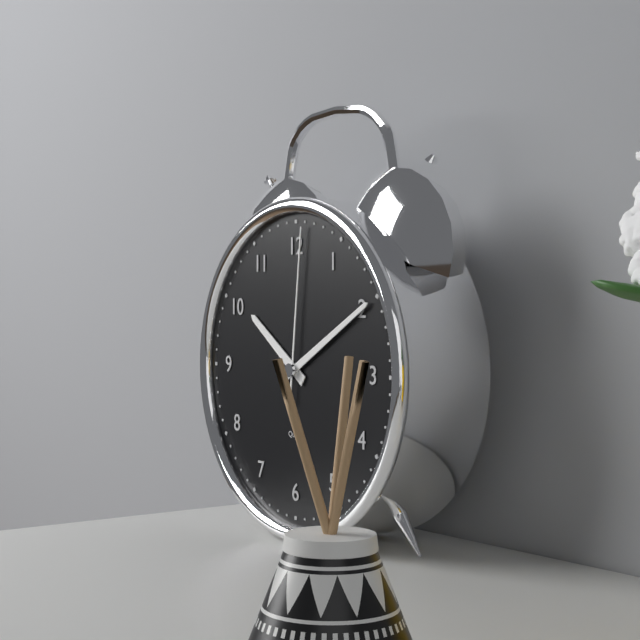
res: 10 h 10 min 01 s
